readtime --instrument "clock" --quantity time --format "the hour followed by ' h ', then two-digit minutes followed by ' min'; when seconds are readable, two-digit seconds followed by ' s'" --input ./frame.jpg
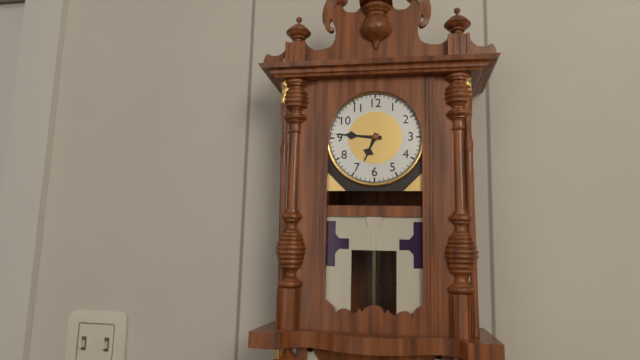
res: 6 h 46 min
